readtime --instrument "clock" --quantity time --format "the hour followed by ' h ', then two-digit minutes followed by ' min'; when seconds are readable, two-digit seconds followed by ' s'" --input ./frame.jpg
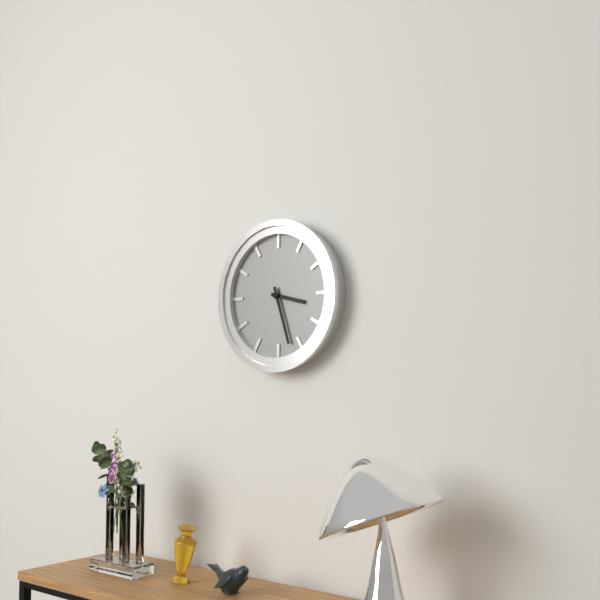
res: 3 h 27 min
